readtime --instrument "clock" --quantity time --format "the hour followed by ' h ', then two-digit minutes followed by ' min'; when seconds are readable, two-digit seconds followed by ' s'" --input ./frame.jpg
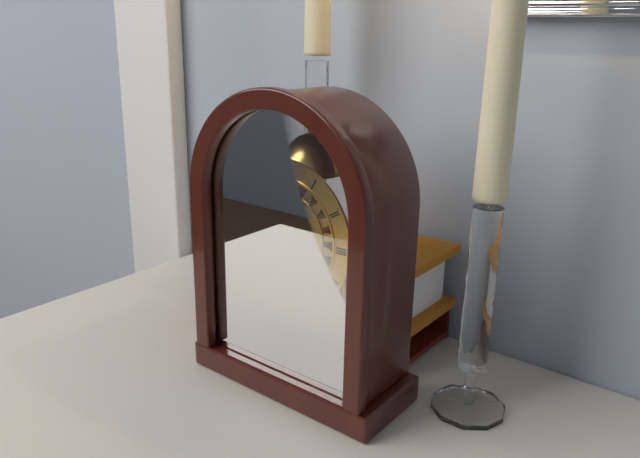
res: 12 h 44 min
